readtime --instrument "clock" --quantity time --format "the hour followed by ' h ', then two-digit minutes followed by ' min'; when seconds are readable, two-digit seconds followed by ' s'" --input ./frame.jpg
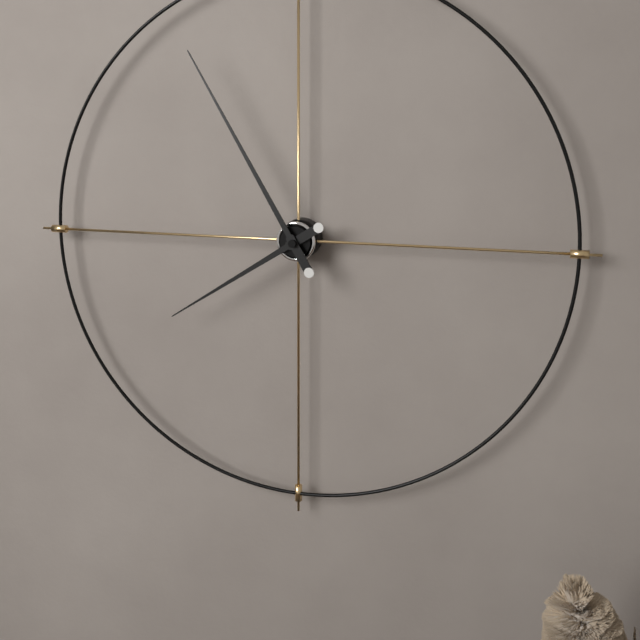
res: 7 h 55 min
